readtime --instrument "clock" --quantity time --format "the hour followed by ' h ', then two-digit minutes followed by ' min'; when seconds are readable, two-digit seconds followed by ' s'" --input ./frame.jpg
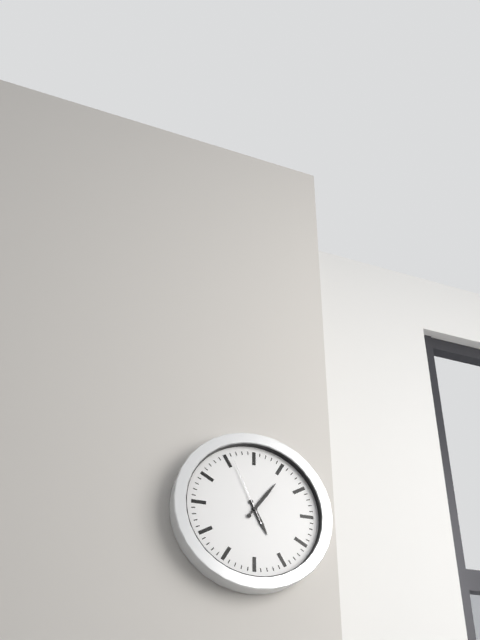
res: 5 h 06 min 56 s
